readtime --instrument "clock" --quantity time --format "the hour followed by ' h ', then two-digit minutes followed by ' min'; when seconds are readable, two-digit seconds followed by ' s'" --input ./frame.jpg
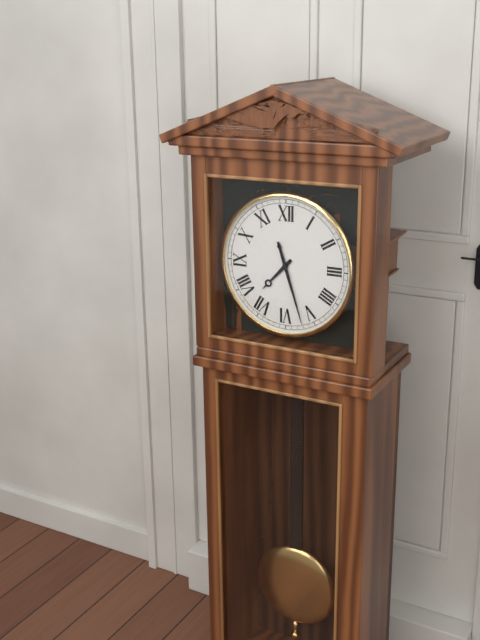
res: 7 h 27 min
